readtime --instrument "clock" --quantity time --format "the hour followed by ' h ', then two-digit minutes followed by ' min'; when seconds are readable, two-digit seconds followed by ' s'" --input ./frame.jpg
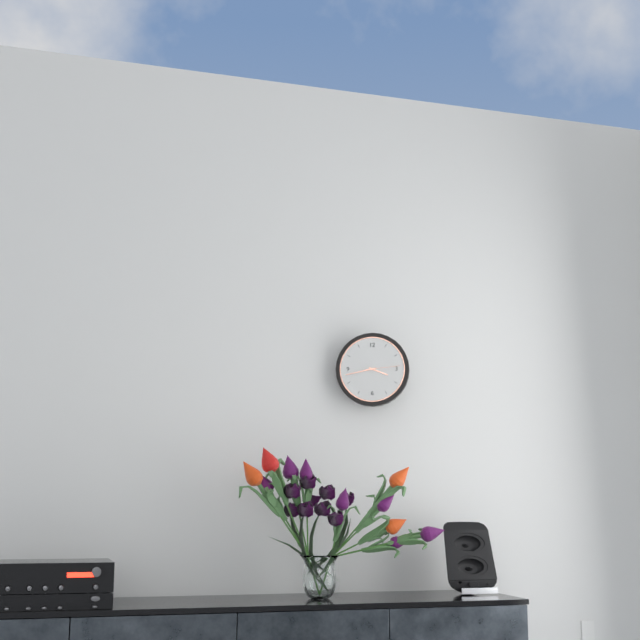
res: 3 h 43 min
